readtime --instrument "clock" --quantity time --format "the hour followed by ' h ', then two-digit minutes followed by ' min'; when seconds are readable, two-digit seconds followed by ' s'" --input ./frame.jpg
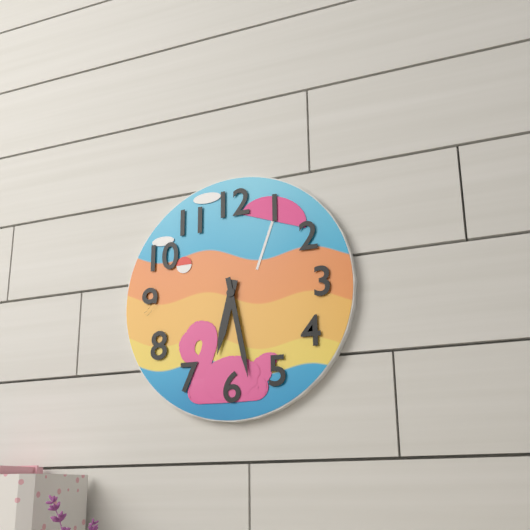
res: 6 h 28 min
